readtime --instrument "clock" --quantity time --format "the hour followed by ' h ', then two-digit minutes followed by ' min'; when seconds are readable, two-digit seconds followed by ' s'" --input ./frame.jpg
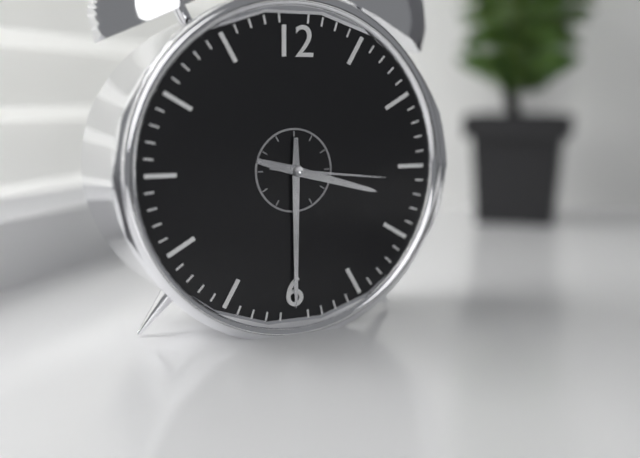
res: 3 h 30 min 16 s
